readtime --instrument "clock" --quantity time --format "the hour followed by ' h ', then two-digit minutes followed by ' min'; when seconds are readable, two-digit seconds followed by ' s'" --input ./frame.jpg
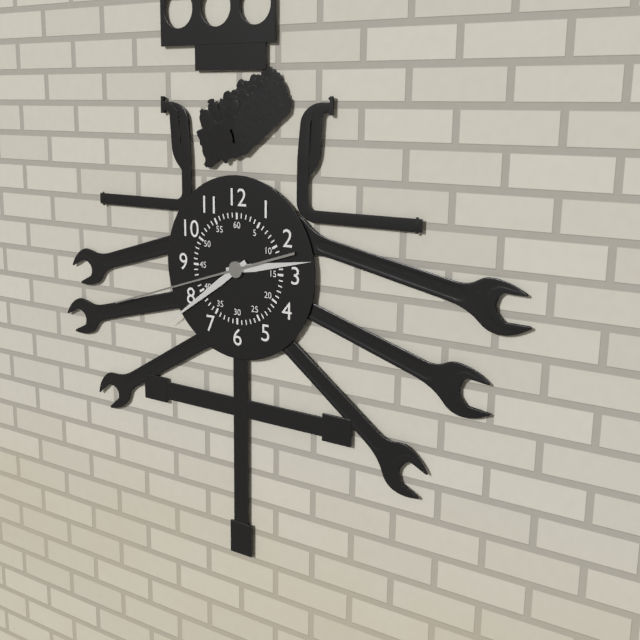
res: 2 h 39 min 42 s
